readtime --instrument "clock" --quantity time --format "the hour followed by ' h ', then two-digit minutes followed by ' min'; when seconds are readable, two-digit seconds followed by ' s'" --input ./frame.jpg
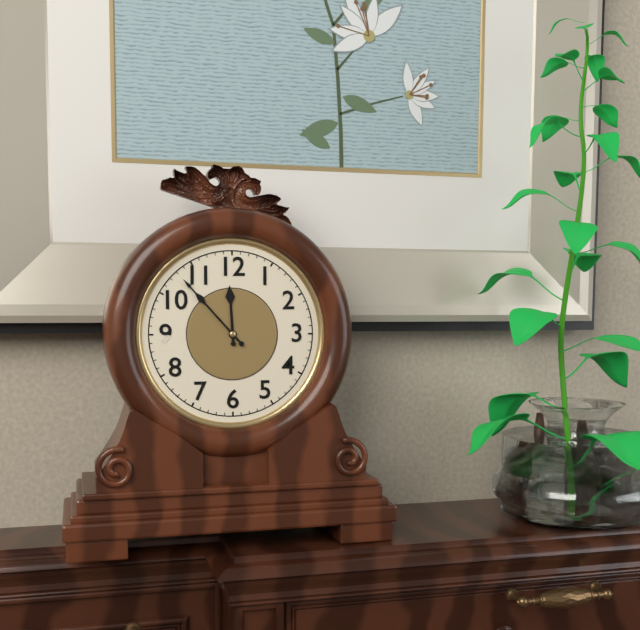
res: 11 h 53 min
